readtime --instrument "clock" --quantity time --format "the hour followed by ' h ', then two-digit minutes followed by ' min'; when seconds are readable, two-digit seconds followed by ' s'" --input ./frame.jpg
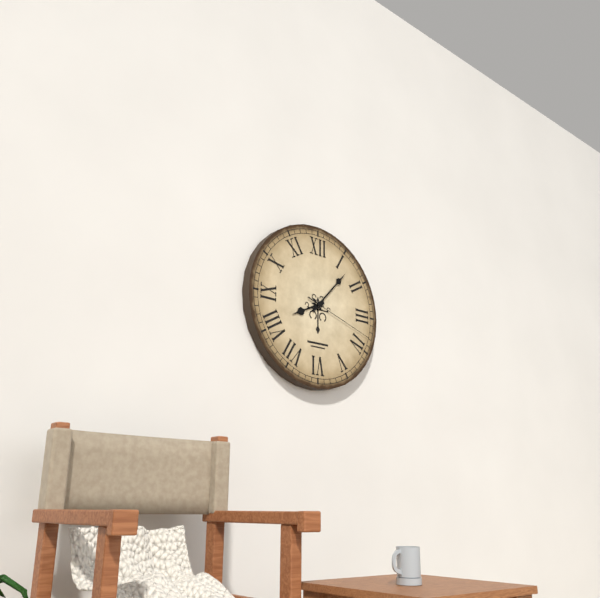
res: 8 h 07 min 18 s
